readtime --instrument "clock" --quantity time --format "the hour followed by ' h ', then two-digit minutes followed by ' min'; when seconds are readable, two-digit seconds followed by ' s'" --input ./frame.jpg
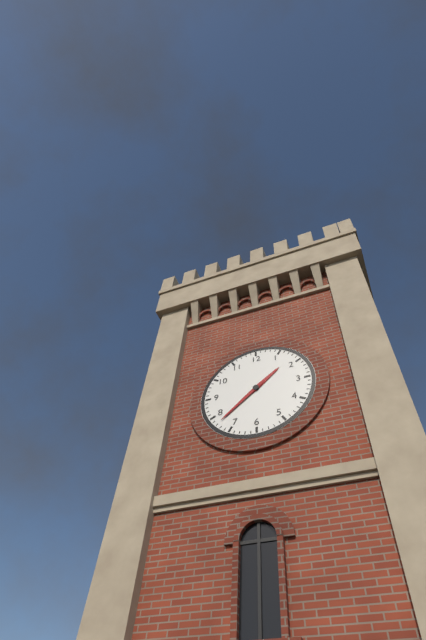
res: 1 h 38 min
